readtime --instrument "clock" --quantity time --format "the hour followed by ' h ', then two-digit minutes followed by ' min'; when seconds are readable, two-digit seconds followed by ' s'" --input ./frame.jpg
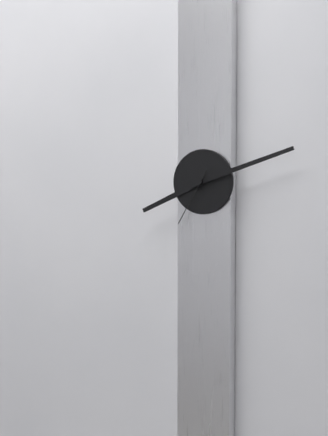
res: 8 h 12 min 35 s
